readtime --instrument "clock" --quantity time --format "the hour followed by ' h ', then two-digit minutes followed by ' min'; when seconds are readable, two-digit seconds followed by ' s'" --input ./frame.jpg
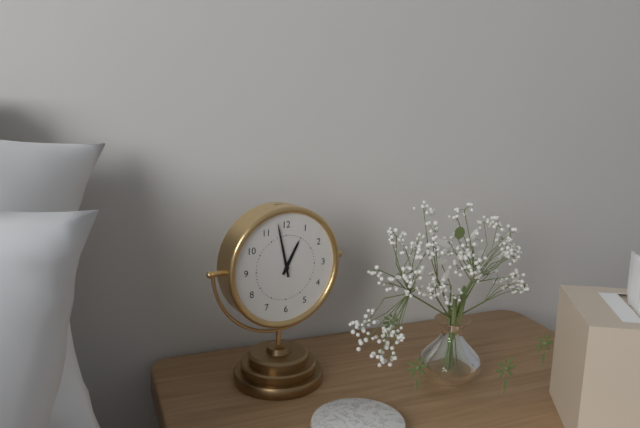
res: 12 h 58 min
